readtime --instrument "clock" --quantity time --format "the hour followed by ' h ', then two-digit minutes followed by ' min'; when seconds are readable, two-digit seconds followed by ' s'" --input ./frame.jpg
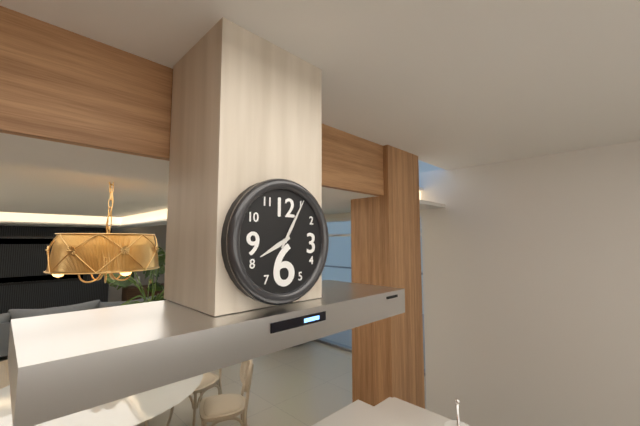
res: 8 h 05 min
